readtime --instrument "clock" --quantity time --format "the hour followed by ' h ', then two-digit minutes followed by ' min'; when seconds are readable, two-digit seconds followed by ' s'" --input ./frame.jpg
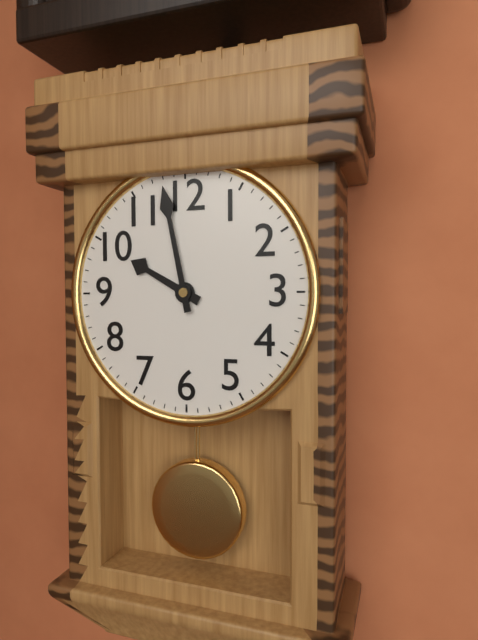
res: 9 h 58 min
